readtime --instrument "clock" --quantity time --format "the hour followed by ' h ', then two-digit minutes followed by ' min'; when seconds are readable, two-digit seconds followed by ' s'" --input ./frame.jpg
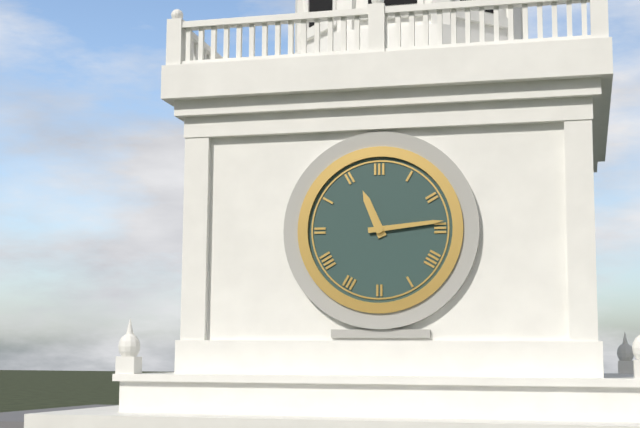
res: 11 h 14 min
